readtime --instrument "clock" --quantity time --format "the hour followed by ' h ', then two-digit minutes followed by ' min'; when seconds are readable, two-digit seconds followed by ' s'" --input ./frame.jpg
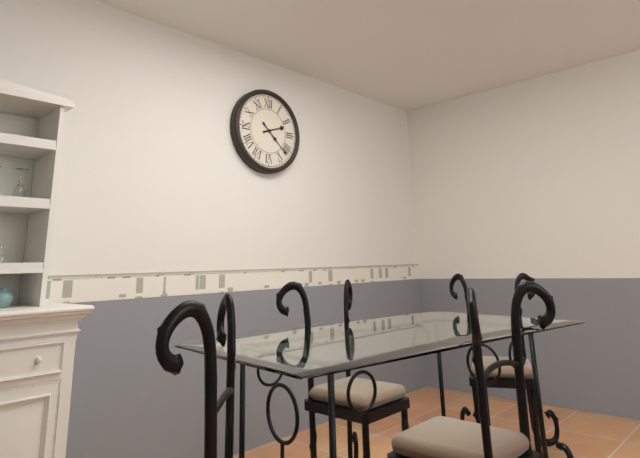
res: 2 h 22 min
